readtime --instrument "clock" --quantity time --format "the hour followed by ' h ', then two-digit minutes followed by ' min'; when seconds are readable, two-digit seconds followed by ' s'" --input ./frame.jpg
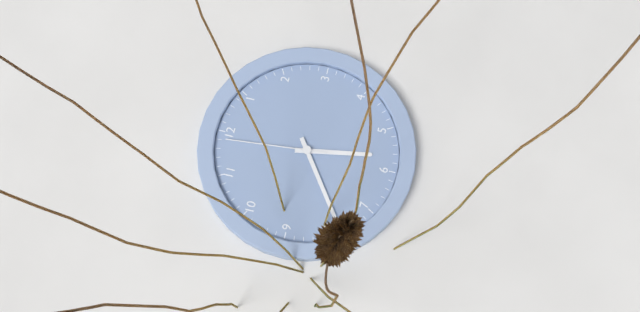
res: 5 h 39 min 59 s
